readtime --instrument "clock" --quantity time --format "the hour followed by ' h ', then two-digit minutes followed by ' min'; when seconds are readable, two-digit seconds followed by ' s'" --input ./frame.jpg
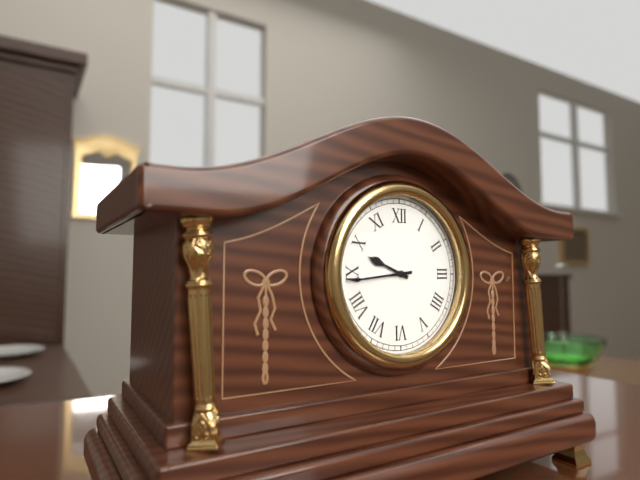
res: 9 h 44 min
